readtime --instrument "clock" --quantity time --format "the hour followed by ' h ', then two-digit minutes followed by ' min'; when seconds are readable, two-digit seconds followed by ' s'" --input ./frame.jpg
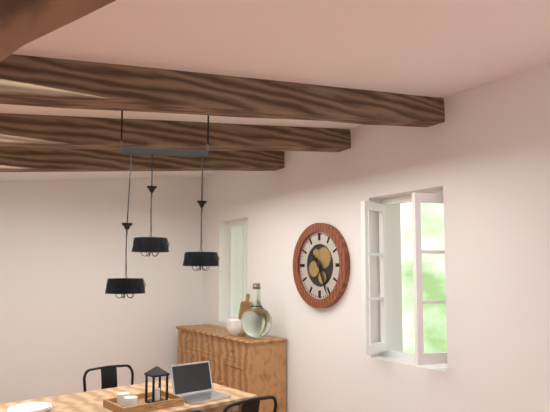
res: 10 h 26 min
